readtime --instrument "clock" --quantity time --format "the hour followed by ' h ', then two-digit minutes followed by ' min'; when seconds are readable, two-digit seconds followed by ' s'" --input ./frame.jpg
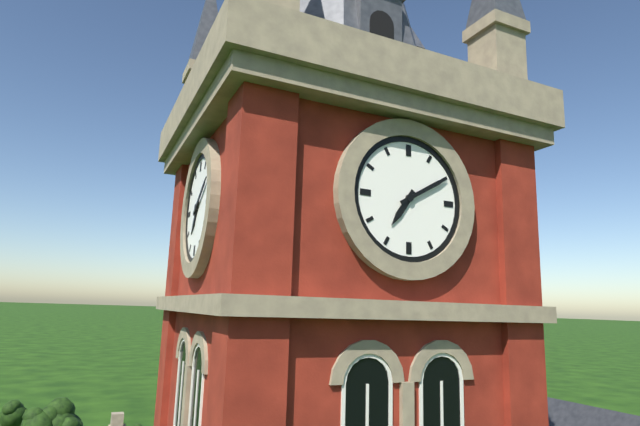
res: 7 h 10 min
